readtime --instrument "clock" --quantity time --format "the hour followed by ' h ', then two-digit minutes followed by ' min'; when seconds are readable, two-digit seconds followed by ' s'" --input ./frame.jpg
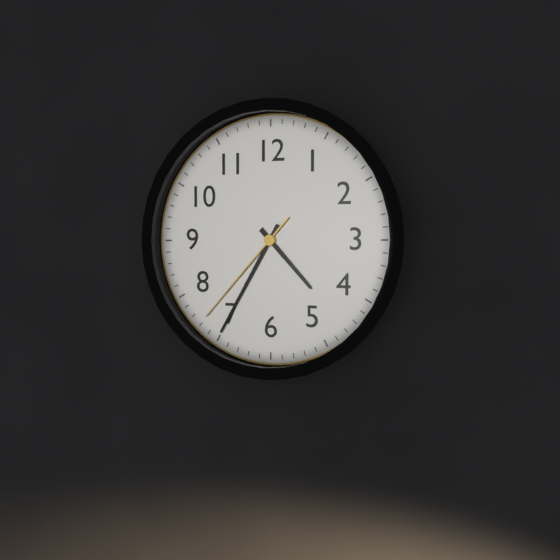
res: 4 h 35 min 37 s
